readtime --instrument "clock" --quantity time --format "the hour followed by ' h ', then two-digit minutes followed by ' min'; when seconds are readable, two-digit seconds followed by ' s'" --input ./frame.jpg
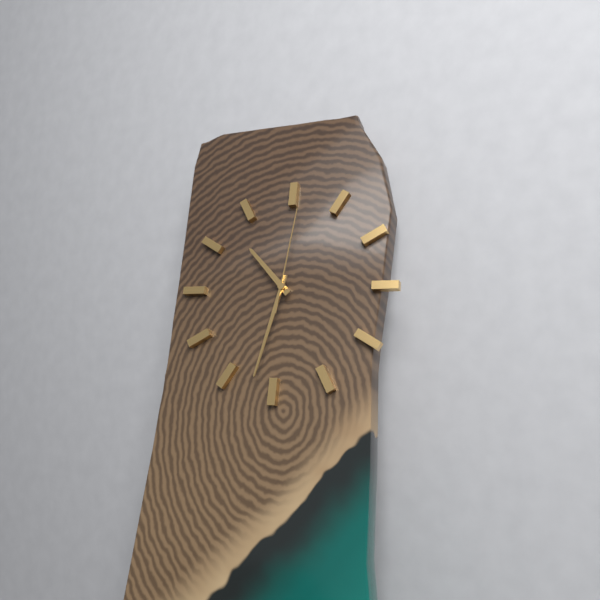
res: 10 h 32 min 01 s
